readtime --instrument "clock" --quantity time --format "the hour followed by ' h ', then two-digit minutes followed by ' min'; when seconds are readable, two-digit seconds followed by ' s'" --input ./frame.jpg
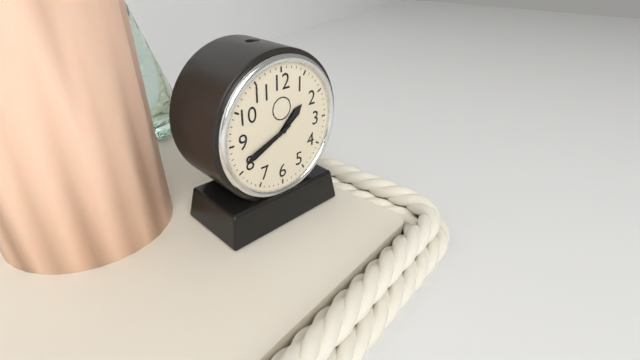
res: 1 h 41 min
